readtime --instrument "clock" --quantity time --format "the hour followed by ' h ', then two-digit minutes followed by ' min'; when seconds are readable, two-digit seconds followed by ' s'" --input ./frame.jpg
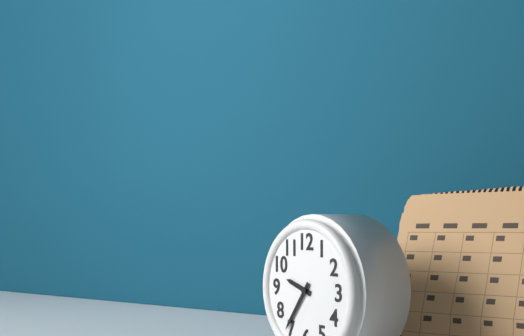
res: 9 h 36 min
